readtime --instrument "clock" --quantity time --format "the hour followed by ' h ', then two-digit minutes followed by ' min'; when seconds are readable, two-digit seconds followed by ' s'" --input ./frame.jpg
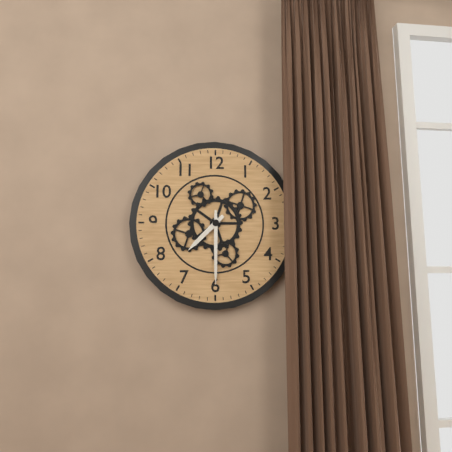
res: 7 h 30 min
